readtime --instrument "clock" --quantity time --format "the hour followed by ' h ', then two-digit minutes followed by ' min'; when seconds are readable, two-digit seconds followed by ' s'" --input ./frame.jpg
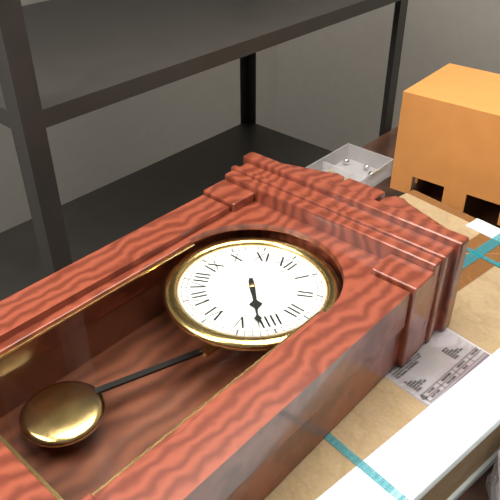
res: 4 h 22 min
